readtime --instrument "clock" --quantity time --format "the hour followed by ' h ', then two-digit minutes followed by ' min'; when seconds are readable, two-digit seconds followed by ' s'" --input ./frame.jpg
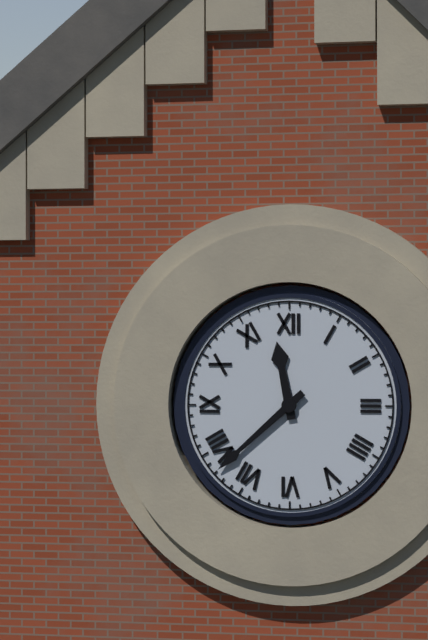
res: 11 h 38 min
